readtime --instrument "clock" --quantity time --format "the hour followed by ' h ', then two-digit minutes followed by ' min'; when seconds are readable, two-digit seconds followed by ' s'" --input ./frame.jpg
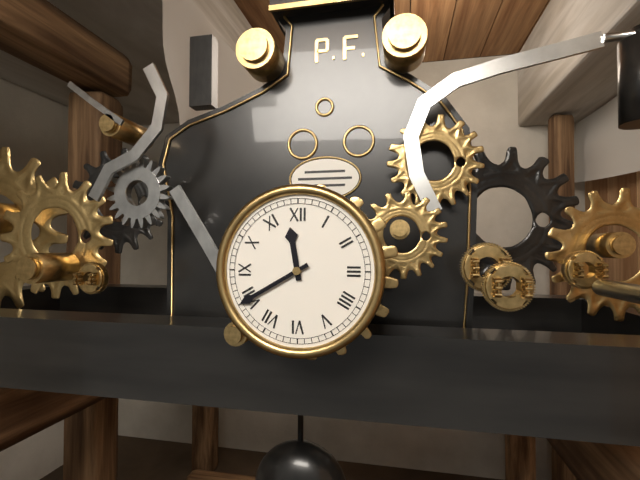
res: 11 h 40 min
